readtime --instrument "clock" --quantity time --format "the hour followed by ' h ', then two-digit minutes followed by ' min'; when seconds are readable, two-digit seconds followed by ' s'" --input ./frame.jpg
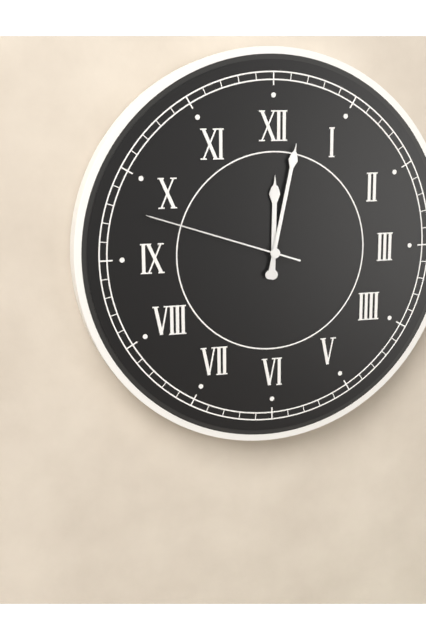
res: 12 h 02 min 48 s
